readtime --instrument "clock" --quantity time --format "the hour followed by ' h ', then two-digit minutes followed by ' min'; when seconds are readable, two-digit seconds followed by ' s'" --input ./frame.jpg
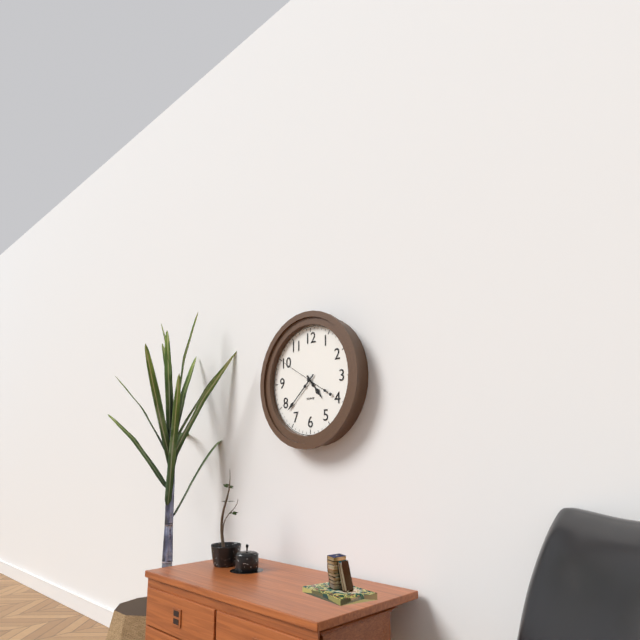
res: 4 h 38 min
